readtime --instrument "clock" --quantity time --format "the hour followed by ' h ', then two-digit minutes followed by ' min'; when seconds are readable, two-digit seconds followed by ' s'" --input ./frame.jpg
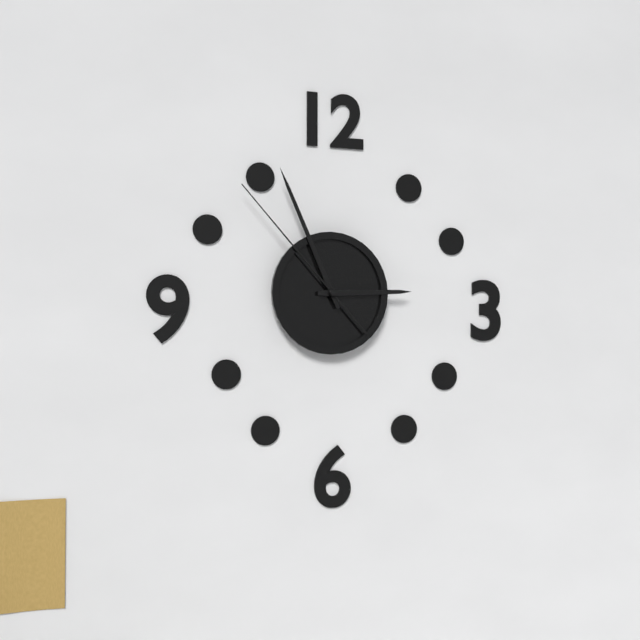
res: 2 h 56 min 53 s
